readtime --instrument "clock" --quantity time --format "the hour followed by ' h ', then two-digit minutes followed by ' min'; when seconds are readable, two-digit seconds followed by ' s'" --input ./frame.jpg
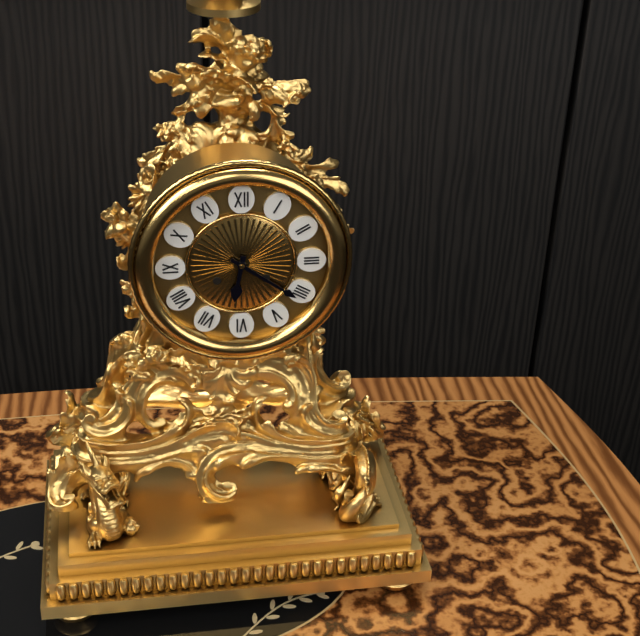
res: 6 h 21 min
